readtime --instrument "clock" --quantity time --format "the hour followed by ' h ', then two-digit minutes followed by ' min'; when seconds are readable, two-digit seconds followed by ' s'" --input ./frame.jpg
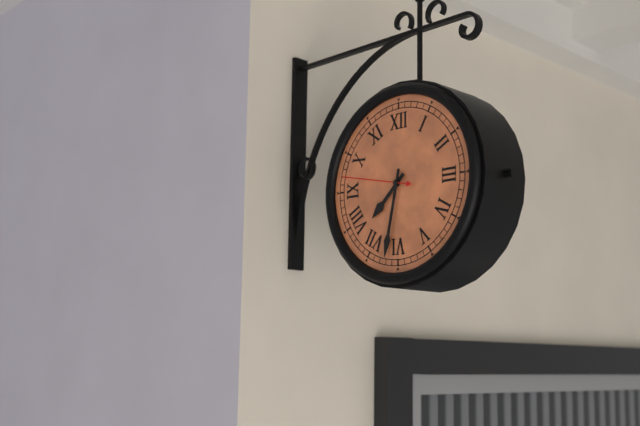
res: 7 h 32 min 47 s
